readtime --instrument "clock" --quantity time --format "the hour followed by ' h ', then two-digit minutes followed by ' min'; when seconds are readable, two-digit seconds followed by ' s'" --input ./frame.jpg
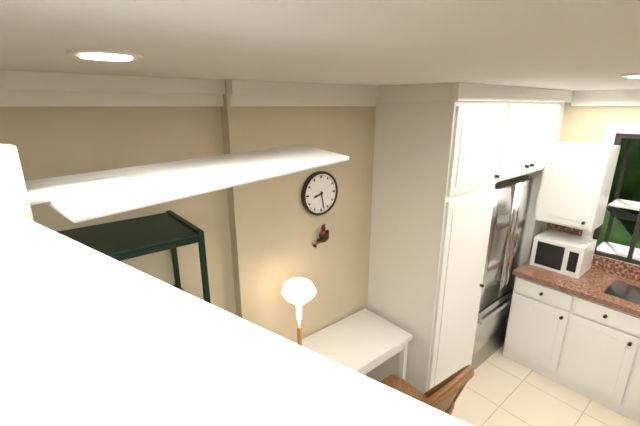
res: 8 h 28 min
